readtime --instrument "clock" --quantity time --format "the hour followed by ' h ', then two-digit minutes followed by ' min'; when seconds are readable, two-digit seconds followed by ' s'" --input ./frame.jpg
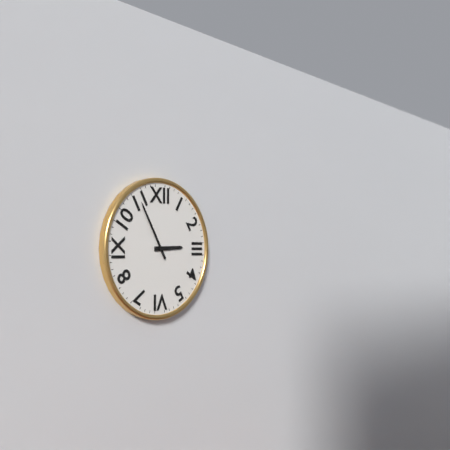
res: 2 h 55 min
